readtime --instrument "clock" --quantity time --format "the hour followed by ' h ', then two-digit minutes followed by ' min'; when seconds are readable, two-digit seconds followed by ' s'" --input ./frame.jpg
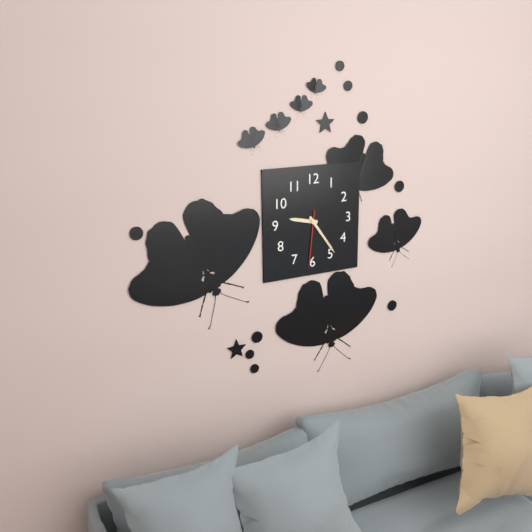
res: 9 h 24 min 31 s
